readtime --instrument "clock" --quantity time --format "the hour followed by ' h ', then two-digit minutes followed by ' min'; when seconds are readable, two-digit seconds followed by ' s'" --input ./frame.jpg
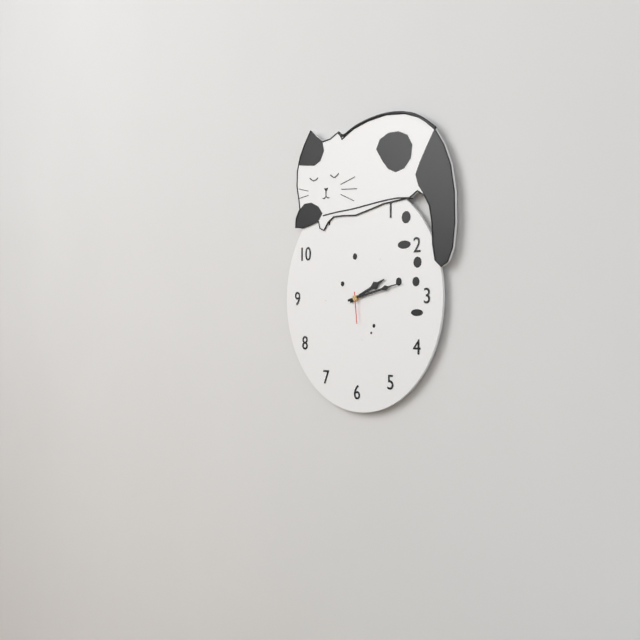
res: 2 h 13 min
